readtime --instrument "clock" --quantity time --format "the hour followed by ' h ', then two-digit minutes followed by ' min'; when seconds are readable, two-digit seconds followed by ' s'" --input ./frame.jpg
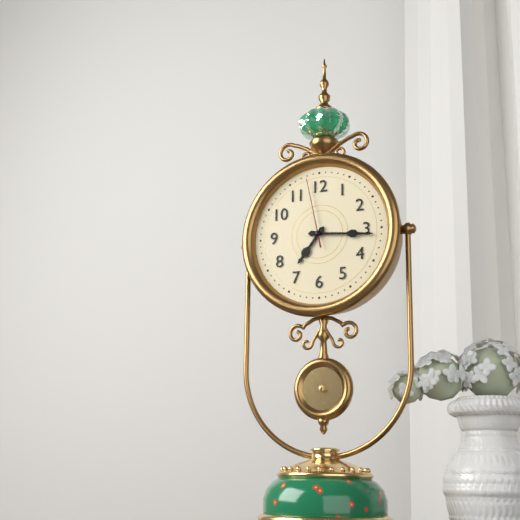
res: 7 h 16 min 58 s
